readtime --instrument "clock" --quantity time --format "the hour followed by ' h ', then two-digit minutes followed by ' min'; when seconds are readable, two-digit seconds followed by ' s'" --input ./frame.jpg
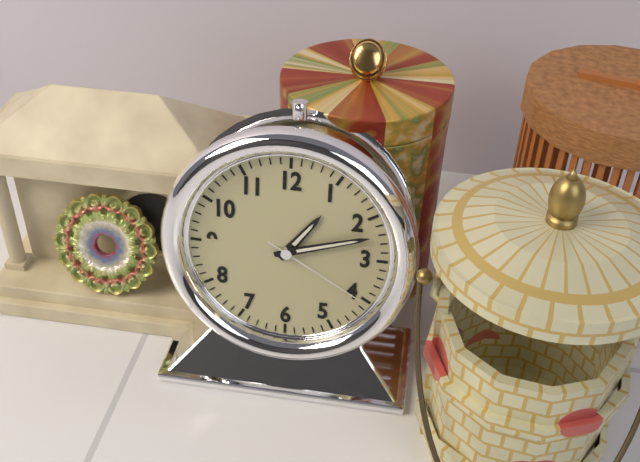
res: 1 h 12 min 20 s
